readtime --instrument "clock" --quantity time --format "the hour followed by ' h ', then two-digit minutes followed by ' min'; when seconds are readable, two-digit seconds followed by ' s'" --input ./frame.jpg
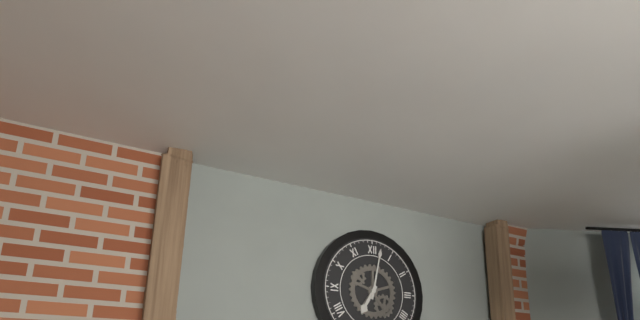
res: 7 h 02 min
